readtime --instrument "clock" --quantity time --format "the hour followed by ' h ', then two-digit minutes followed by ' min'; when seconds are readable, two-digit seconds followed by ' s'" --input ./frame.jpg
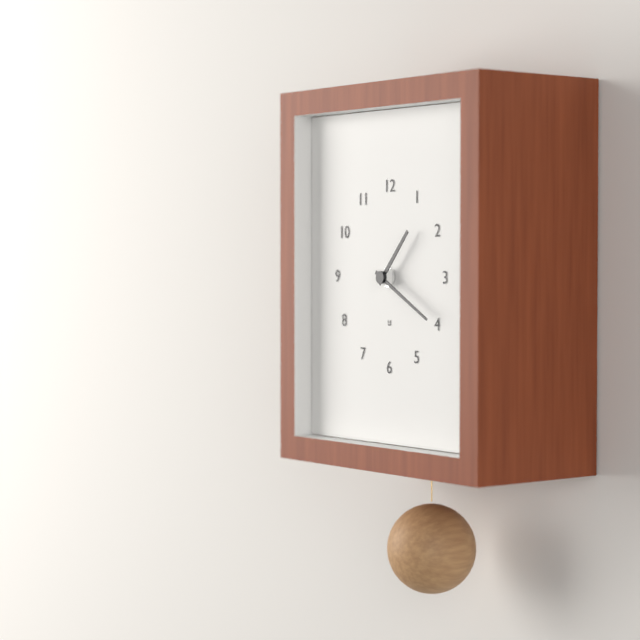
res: 1 h 20 min
